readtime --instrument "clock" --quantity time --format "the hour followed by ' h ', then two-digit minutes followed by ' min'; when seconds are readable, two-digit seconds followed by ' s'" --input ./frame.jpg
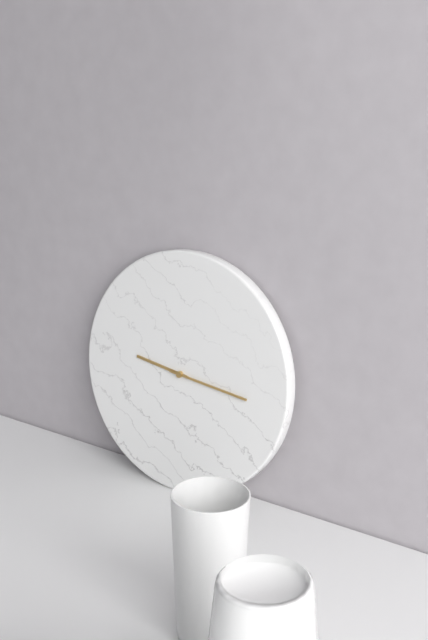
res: 9 h 16 min
